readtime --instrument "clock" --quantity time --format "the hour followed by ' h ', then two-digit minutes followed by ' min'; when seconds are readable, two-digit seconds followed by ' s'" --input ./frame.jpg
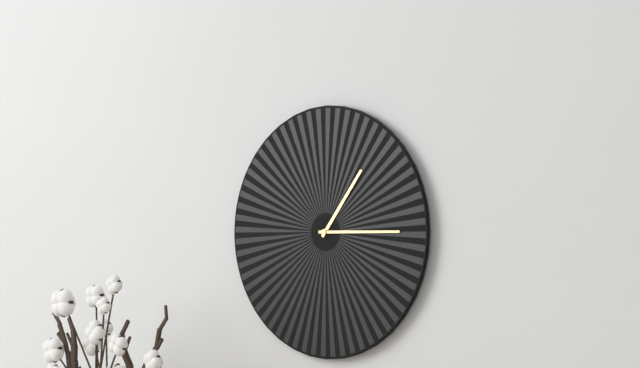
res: 1 h 15 min
